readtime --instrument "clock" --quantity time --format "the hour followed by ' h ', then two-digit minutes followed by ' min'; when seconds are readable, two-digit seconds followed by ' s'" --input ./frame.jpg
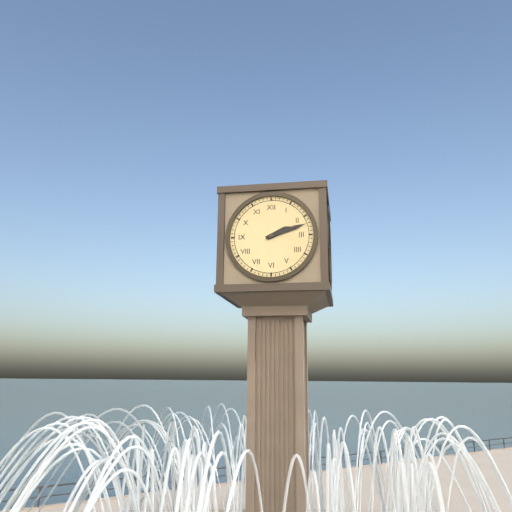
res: 2 h 12 min
